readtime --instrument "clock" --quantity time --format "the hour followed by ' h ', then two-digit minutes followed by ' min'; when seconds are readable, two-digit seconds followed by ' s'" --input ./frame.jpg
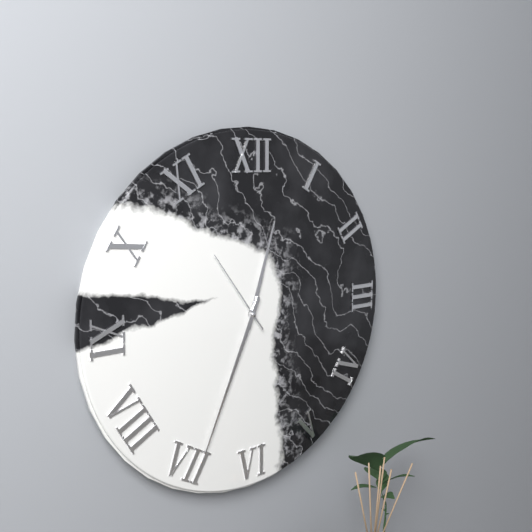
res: 12 h 34 min 54 s
